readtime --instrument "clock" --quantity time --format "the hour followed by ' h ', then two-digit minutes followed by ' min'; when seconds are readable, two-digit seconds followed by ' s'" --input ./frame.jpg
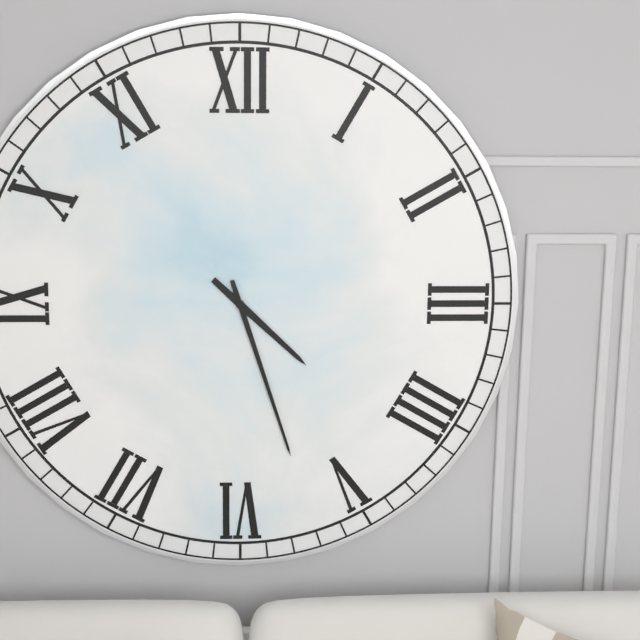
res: 4 h 27 min
